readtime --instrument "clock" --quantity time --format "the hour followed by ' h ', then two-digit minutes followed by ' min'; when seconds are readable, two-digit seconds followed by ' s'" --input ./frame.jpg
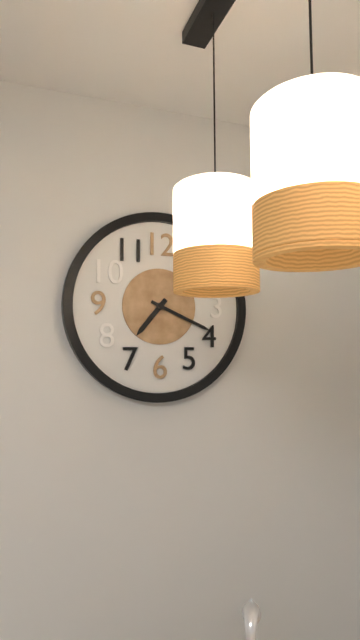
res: 7 h 19 min
